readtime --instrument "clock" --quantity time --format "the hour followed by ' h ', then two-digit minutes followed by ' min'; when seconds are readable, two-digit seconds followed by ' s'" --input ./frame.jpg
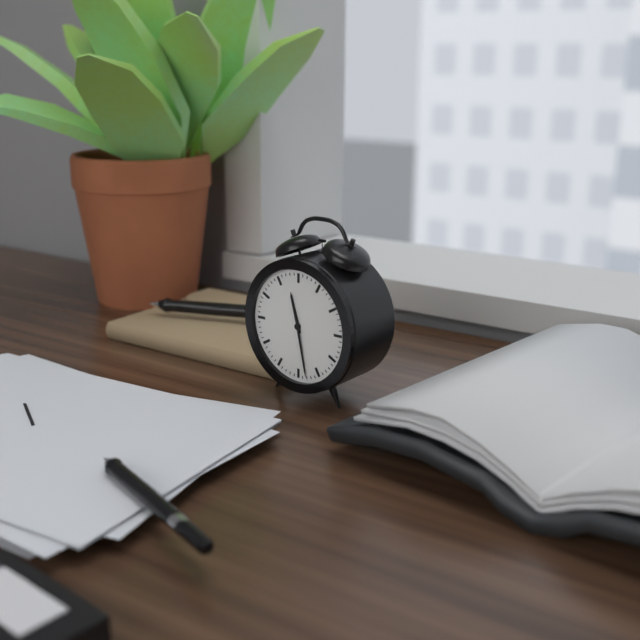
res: 11 h 28 min
